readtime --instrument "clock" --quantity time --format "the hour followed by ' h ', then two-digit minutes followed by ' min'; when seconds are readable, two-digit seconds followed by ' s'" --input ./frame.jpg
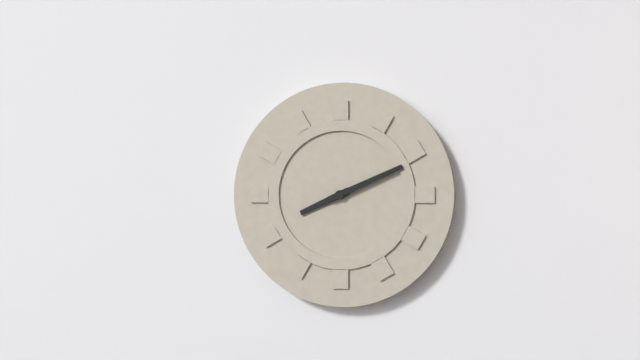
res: 8 h 11 min
